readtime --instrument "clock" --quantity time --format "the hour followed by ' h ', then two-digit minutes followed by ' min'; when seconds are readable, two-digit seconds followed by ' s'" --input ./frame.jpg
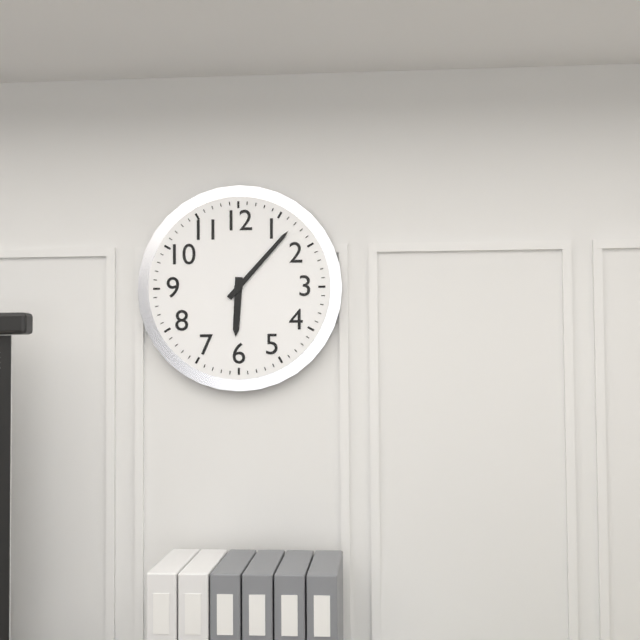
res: 6 h 07 min
